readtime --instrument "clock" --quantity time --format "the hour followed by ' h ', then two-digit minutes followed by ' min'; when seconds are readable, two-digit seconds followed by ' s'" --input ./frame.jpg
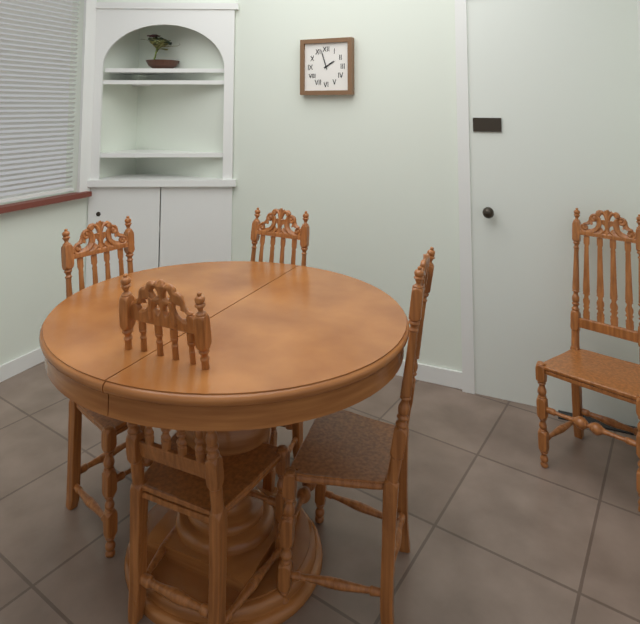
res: 1 h 57 min
